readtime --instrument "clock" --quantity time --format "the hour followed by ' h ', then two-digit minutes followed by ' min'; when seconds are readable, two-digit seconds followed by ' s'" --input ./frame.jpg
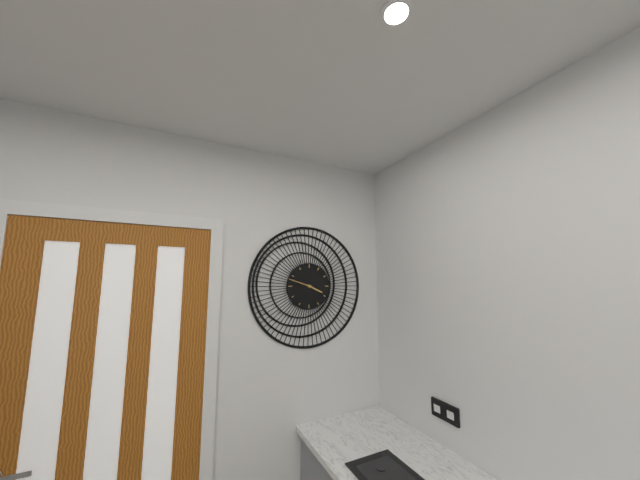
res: 3 h 48 min
